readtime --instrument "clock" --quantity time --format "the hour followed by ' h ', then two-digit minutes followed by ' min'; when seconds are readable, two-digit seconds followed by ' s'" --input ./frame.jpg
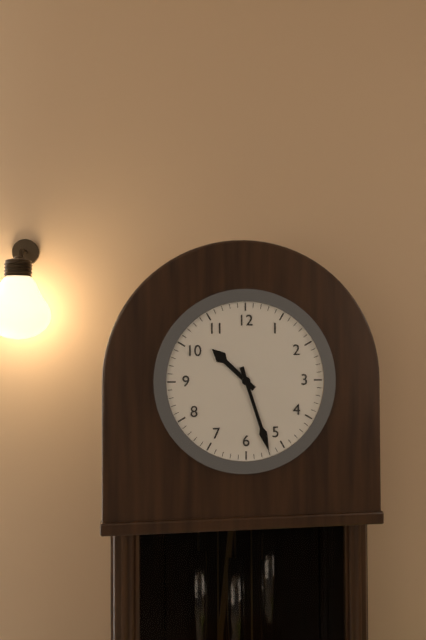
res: 10 h 27 min
